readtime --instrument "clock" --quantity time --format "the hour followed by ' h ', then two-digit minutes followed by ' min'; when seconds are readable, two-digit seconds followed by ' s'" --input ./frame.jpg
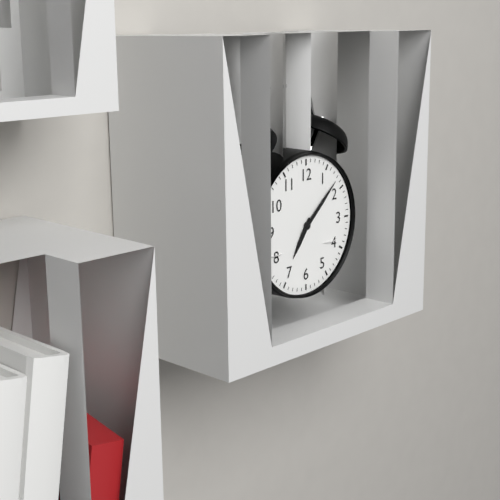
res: 7 h 08 min
